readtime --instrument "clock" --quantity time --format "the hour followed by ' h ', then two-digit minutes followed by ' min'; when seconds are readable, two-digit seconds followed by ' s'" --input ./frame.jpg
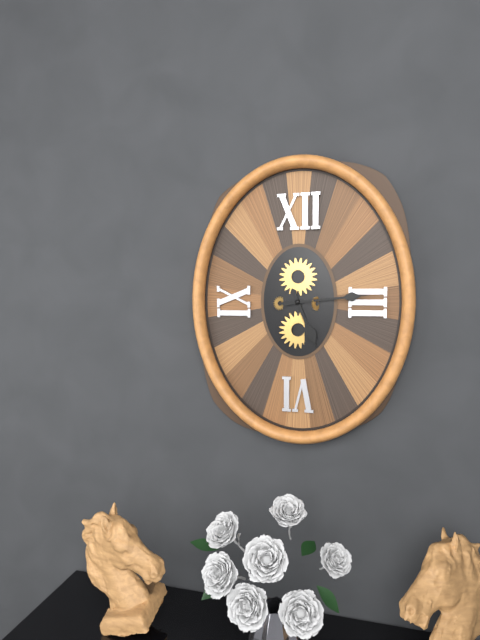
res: 5 h 14 min
